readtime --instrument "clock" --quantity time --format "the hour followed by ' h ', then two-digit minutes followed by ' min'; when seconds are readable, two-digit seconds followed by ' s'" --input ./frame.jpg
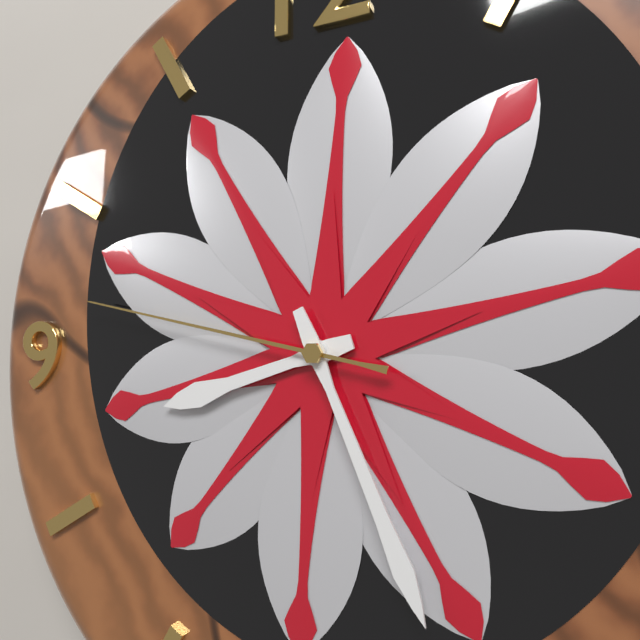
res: 8 h 26 min 47 s
